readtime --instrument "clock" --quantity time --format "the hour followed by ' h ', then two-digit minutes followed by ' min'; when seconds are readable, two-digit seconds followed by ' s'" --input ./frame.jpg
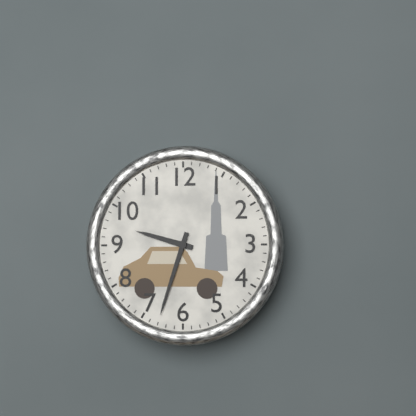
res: 9 h 33 min
